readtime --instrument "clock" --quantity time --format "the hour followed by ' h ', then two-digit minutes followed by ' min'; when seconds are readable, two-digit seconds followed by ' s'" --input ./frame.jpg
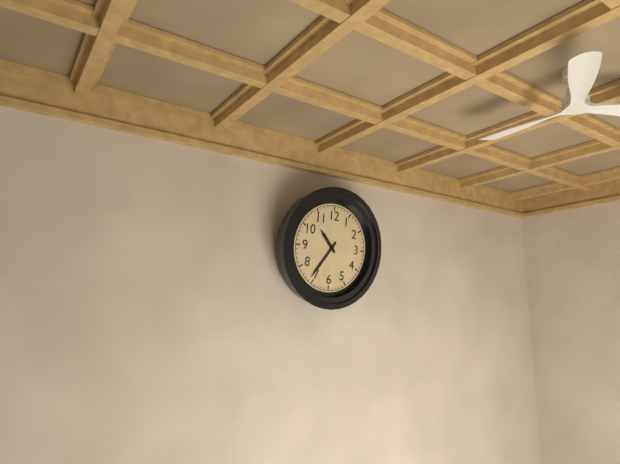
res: 10 h 36 min
